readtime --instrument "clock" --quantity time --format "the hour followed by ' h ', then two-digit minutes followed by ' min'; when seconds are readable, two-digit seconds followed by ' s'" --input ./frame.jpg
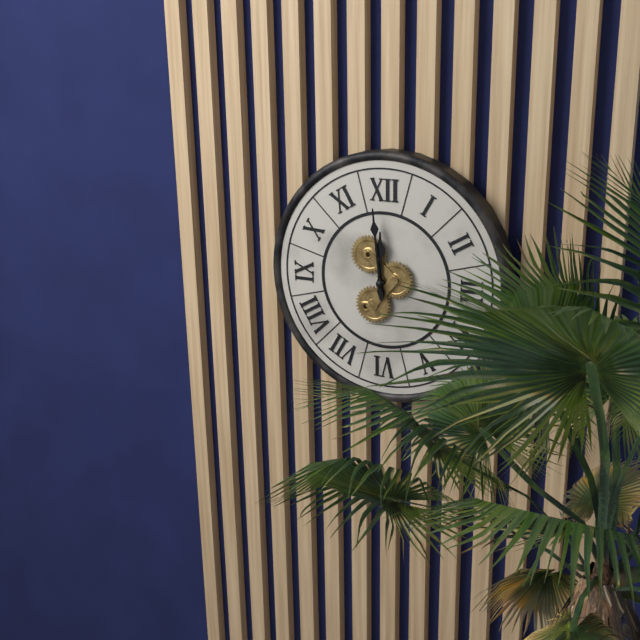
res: 11 h 59 min
